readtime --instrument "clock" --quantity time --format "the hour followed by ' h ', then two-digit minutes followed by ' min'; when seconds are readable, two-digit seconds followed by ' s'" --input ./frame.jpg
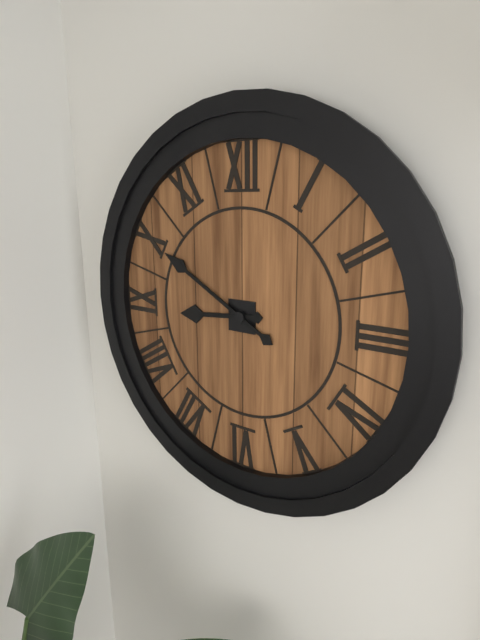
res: 8 h 50 min
